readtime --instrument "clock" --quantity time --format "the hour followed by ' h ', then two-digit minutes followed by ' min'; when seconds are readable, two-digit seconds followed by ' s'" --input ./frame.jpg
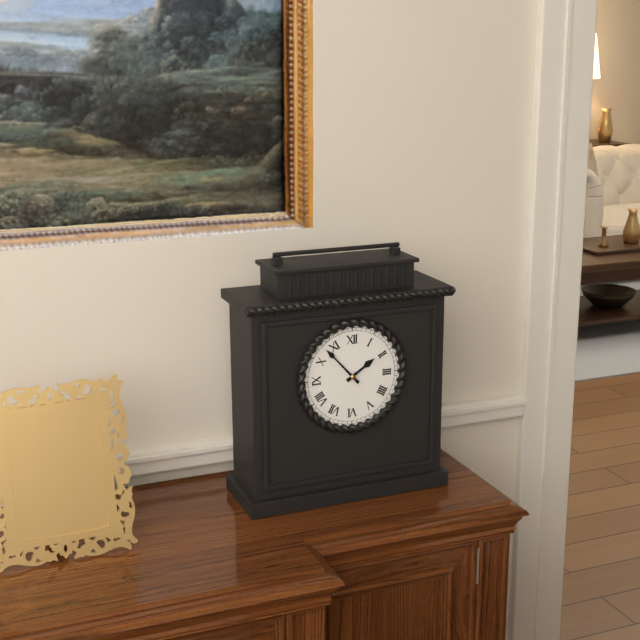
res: 1 h 53 min
